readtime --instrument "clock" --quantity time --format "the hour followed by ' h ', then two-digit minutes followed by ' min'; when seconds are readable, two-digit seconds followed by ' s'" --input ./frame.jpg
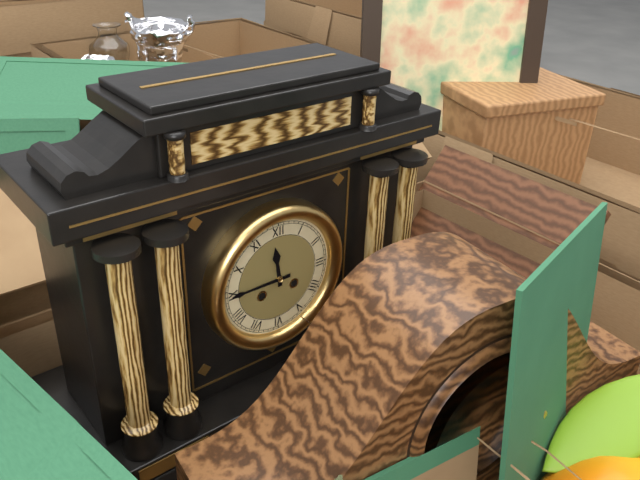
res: 11 h 45 min
